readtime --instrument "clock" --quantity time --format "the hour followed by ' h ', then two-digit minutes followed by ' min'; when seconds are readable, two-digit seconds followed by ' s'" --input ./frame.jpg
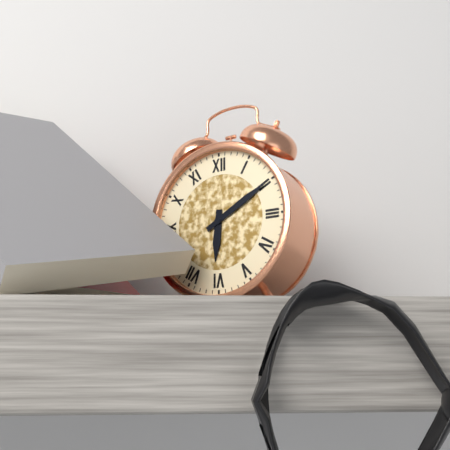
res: 6 h 10 min
